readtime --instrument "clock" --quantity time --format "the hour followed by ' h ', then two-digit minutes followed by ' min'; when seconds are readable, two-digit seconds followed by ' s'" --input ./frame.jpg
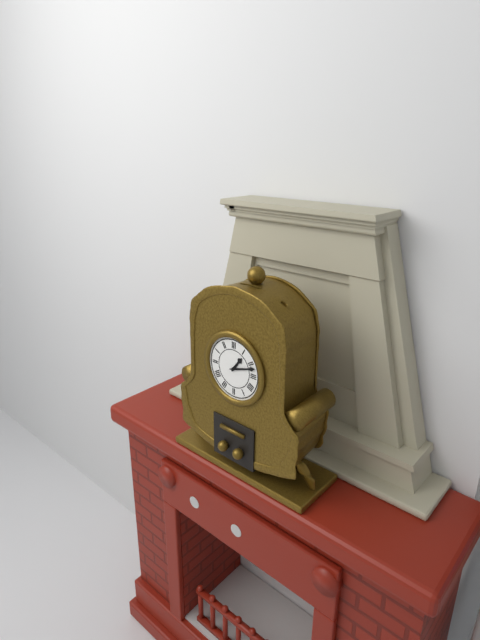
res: 1 h 12 min
